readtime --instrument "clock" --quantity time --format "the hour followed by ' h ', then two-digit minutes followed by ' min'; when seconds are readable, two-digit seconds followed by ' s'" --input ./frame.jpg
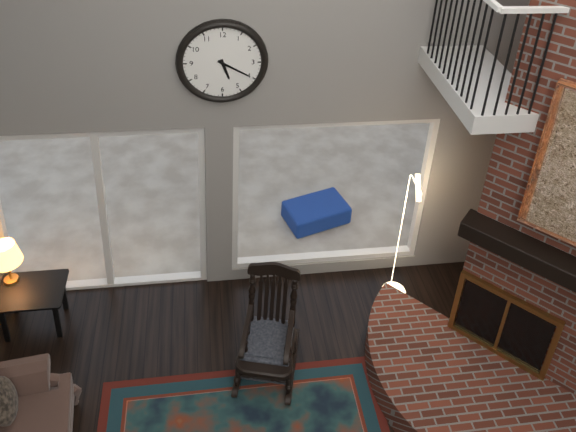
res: 5 h 20 min
